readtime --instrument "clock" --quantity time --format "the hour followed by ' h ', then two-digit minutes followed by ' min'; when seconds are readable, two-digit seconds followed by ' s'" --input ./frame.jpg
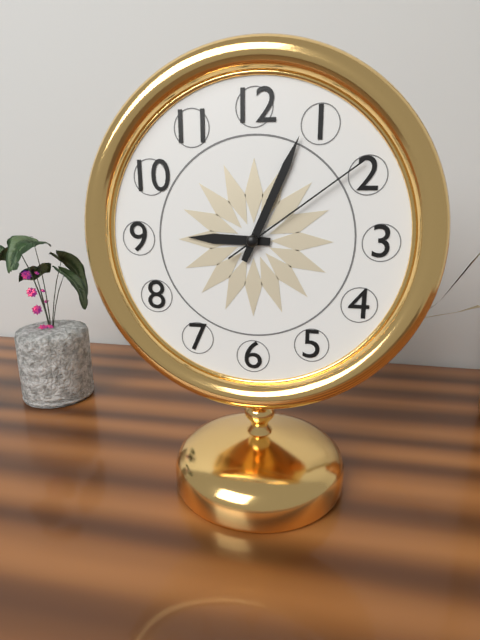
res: 9 h 04 min 09 s
